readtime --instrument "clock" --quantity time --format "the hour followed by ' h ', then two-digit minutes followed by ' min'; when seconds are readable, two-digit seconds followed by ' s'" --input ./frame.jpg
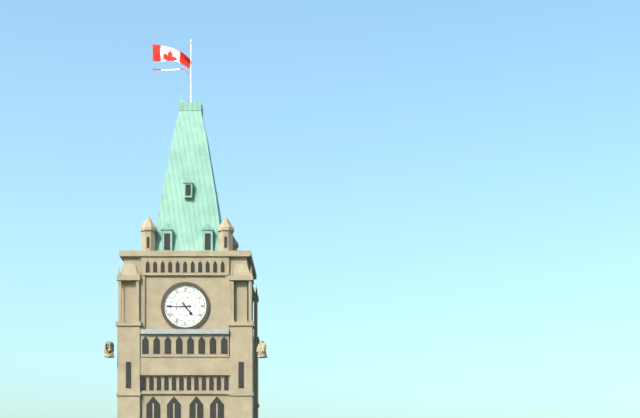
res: 4 h 45 min
